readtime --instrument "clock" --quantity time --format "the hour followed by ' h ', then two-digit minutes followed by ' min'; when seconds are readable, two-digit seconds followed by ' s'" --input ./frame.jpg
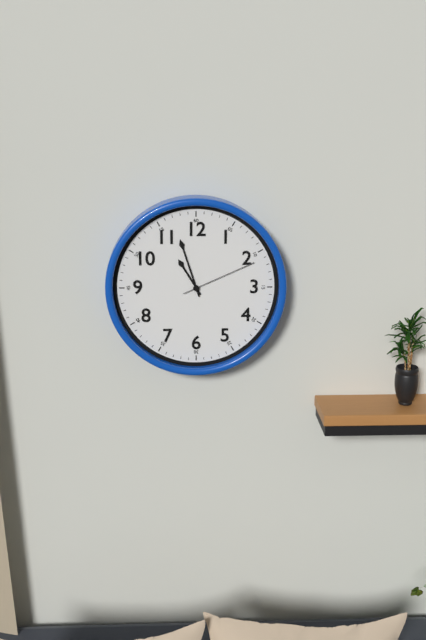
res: 10 h 57 min 11 s
